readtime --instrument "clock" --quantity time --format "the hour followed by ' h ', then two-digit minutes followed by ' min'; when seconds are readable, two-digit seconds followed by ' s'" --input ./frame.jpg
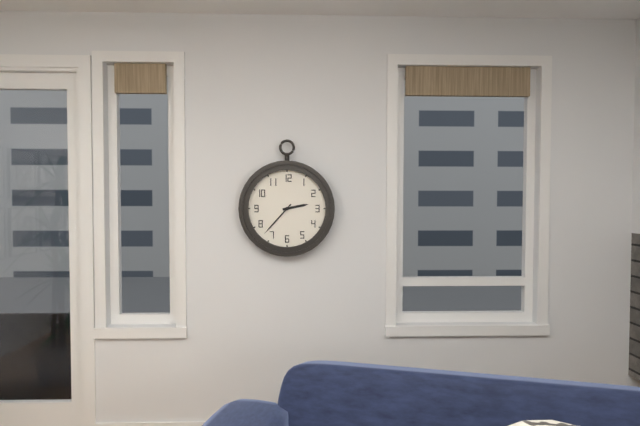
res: 2 h 37 min
